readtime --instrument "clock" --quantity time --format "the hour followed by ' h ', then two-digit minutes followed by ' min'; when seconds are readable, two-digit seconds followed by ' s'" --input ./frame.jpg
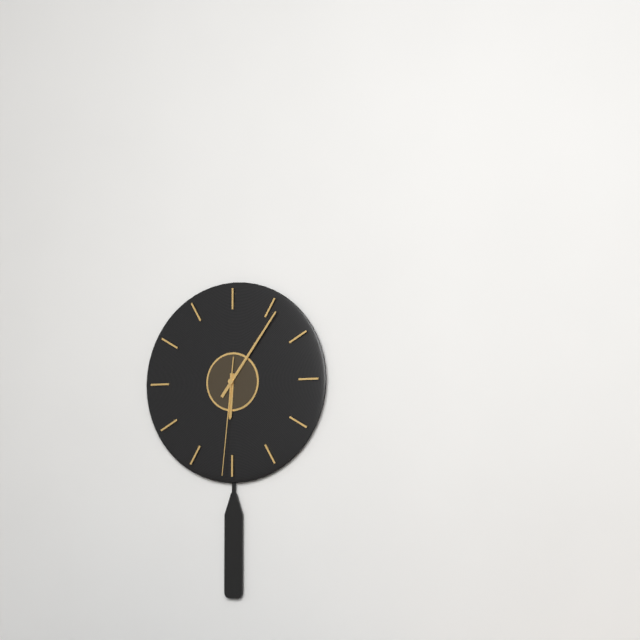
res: 6 h 06 min 31 s
